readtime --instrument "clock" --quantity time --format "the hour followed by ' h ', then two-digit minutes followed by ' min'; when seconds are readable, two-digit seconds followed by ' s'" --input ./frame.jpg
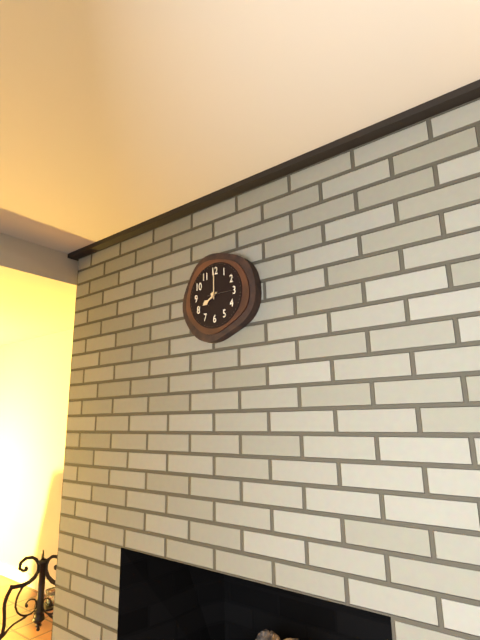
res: 8 h 00 min
